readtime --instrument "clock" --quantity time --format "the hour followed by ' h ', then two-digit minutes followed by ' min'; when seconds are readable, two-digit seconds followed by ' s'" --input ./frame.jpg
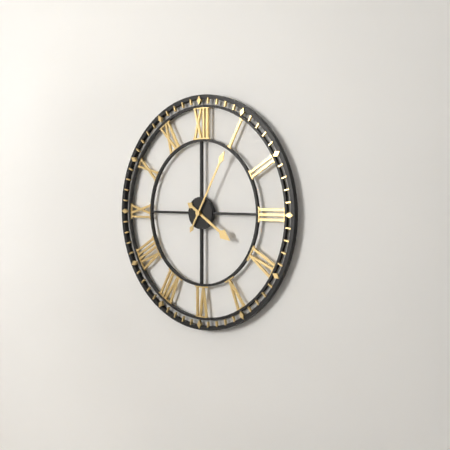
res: 4 h 05 min
